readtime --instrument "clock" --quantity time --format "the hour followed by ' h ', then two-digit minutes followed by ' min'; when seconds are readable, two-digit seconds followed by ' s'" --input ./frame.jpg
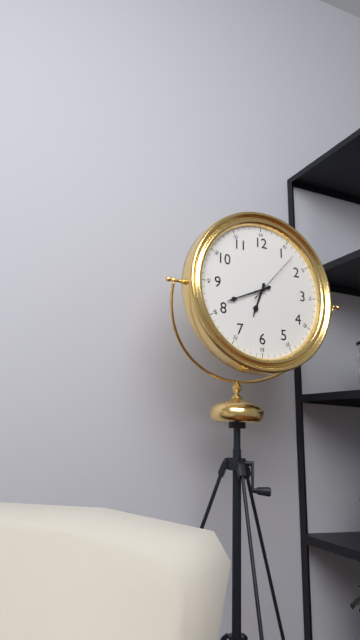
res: 6 h 41 min 07 s
